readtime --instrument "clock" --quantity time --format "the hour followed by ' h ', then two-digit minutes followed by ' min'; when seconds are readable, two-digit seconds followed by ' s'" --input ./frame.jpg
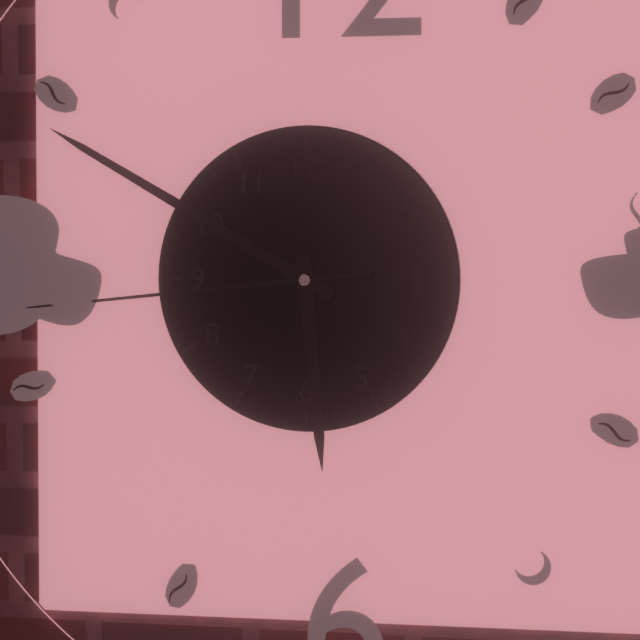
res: 5 h 50 min 44 s
